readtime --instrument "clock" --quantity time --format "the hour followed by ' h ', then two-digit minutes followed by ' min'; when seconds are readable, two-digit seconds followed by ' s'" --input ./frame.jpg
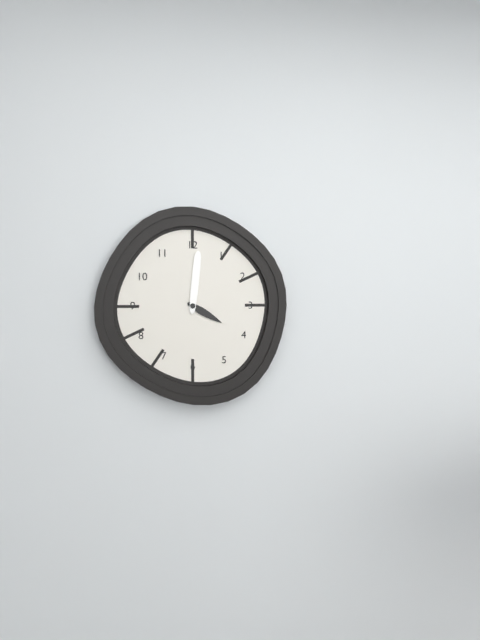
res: 4 h 01 min
